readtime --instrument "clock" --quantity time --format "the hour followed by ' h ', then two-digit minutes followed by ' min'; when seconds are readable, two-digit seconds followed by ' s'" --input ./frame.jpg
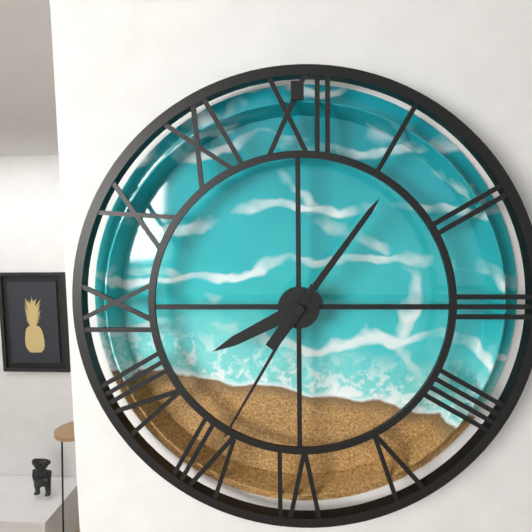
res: 8 h 06 min 35 s
